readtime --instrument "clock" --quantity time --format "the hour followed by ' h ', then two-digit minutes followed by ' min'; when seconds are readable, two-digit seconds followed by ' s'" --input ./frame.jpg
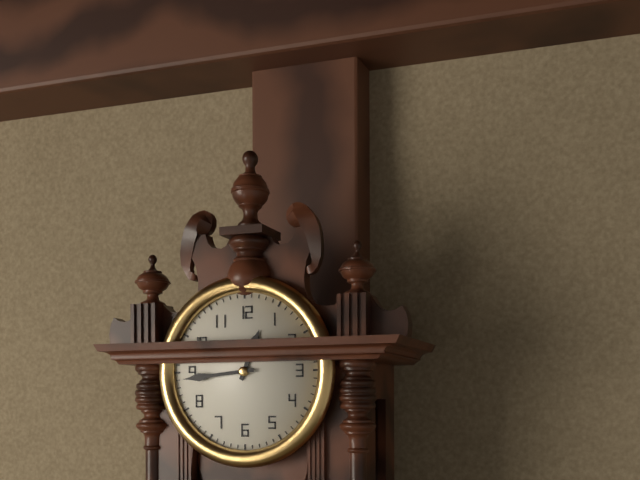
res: 12 h 44 min
